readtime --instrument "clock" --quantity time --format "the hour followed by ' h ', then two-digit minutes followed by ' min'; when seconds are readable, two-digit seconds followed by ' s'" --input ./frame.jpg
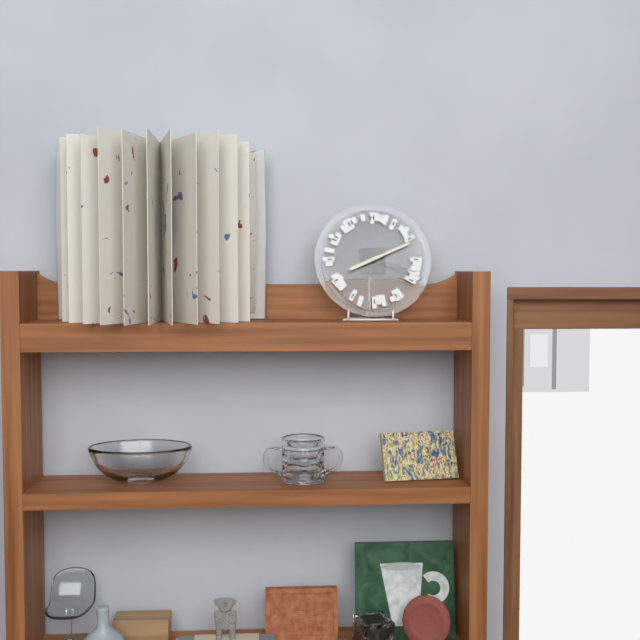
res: 8 h 11 min 18 s
